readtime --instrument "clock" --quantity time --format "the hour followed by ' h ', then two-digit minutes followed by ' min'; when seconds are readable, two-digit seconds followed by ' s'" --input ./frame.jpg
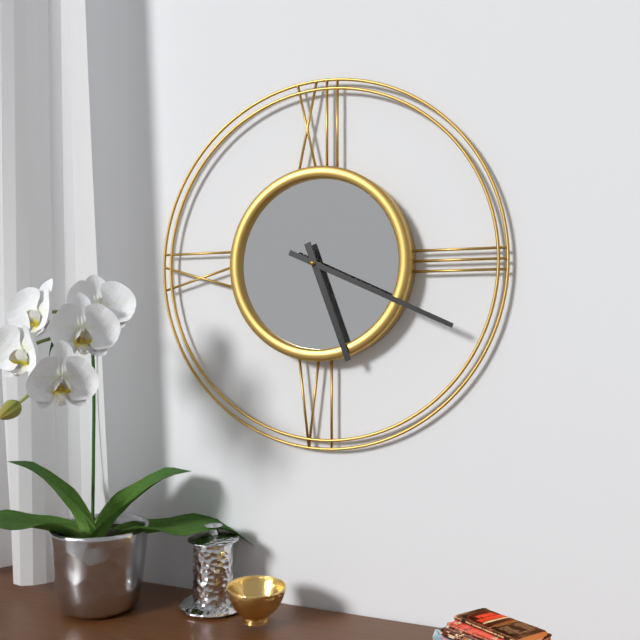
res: 5 h 19 min
